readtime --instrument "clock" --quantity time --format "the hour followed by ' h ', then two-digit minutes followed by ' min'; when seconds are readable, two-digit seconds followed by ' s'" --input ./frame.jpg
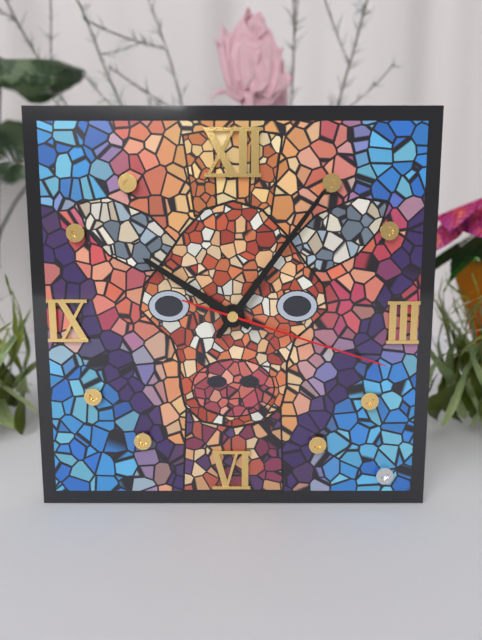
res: 10 h 06 min 18 s
